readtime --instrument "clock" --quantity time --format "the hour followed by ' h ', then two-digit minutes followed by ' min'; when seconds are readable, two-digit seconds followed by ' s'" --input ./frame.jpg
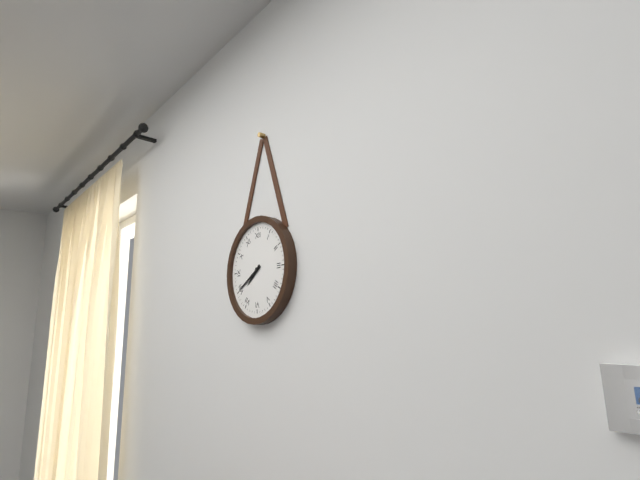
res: 7 h 40 min
